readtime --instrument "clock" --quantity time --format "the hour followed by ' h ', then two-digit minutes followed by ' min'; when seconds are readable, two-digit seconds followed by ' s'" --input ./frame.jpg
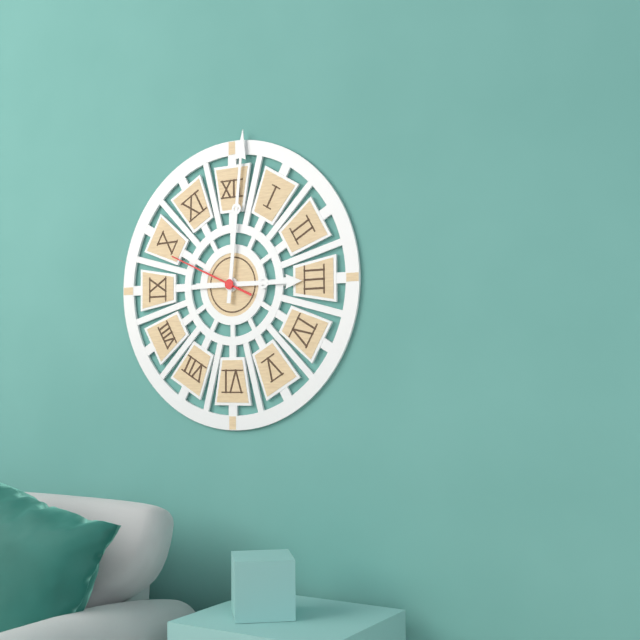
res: 3 h 01 min 49 s
